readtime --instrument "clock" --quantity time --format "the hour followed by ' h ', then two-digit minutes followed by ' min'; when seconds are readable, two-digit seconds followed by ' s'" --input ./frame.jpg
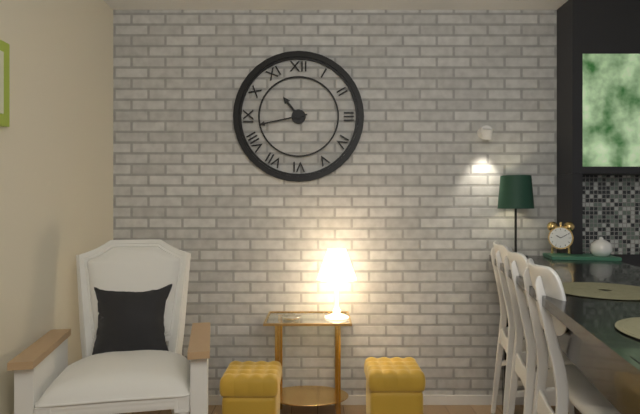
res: 10 h 43 min
